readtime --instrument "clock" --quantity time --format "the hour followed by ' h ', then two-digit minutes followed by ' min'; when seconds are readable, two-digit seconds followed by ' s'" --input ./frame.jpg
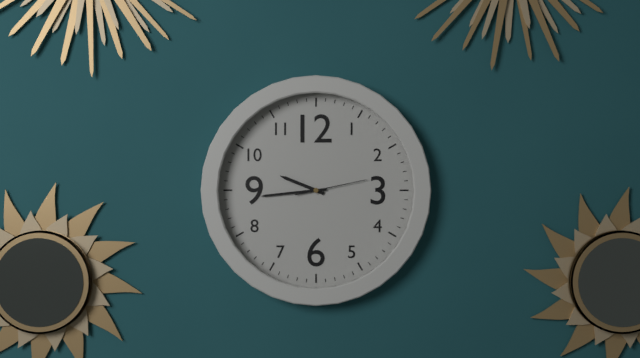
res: 9 h 44 min 13 s
